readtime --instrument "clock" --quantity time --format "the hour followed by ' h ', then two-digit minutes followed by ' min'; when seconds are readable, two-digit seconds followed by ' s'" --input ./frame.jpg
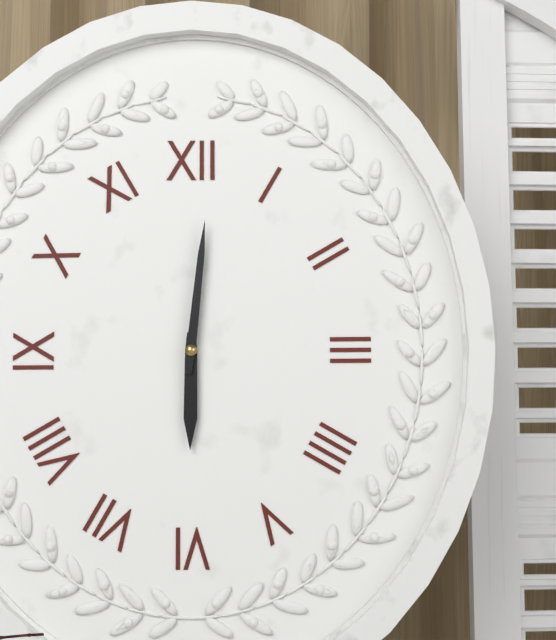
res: 6 h 01 min
